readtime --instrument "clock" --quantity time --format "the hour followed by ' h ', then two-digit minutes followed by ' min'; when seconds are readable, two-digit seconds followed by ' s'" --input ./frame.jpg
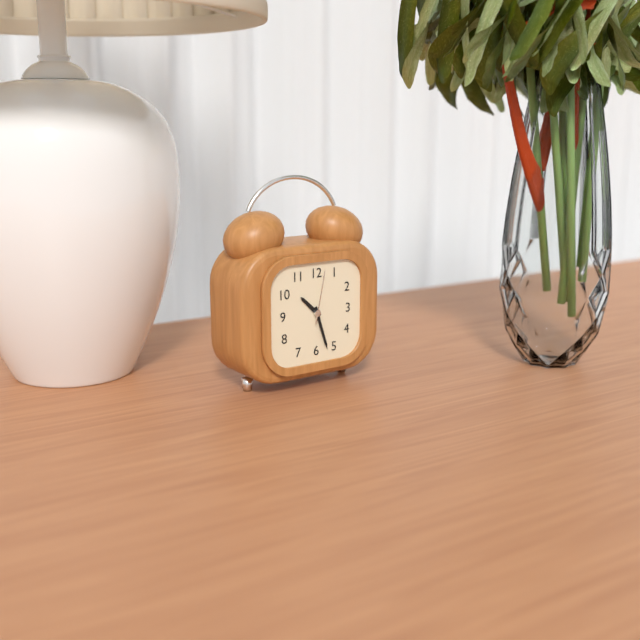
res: 10 h 27 min 02 s
